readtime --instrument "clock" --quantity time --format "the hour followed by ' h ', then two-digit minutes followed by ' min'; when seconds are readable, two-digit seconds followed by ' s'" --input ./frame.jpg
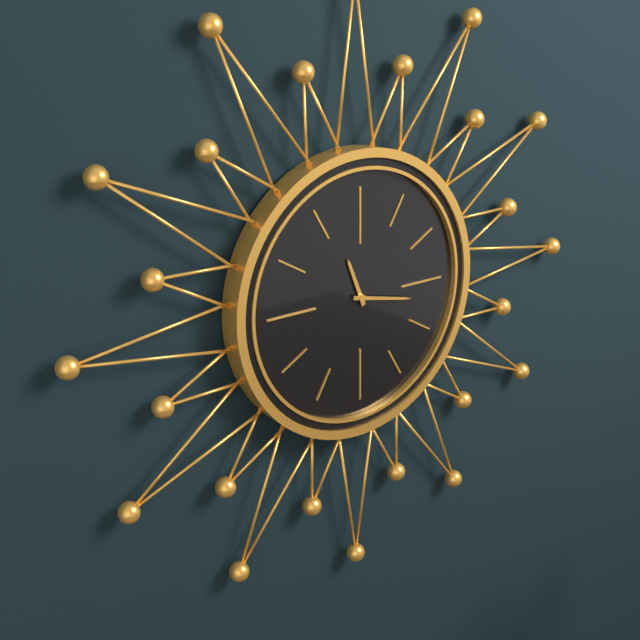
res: 11 h 17 min
